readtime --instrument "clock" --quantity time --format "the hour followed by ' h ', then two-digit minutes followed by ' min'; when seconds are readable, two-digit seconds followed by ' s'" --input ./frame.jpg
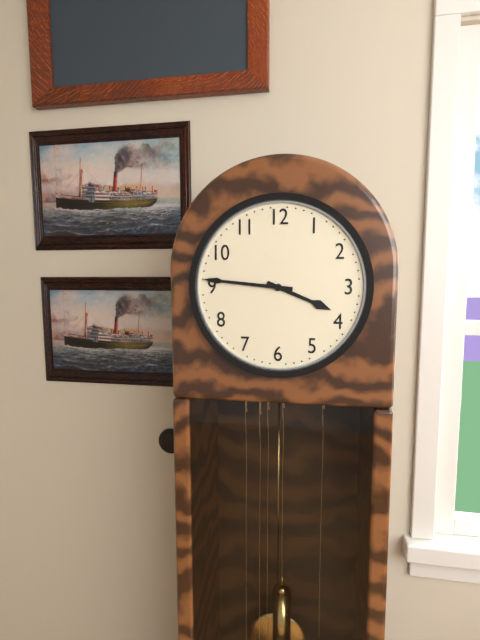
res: 3 h 46 min
